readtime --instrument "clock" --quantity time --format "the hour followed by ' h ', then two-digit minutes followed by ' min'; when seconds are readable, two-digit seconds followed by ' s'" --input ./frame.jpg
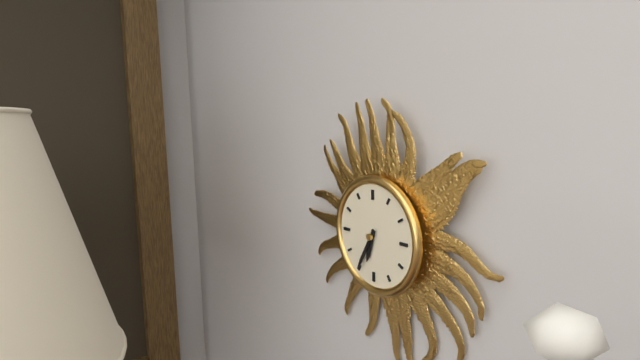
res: 6 h 35 min
